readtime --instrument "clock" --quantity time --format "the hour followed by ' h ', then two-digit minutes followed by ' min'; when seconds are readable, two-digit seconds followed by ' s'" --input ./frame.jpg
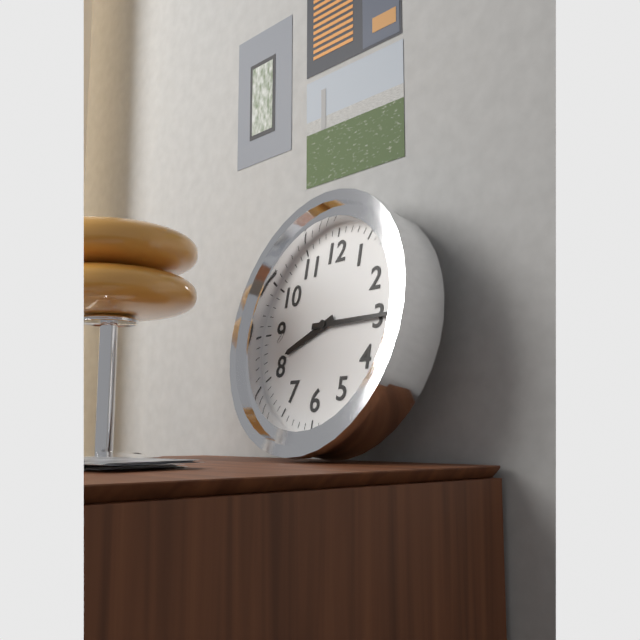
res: 8 h 15 min
